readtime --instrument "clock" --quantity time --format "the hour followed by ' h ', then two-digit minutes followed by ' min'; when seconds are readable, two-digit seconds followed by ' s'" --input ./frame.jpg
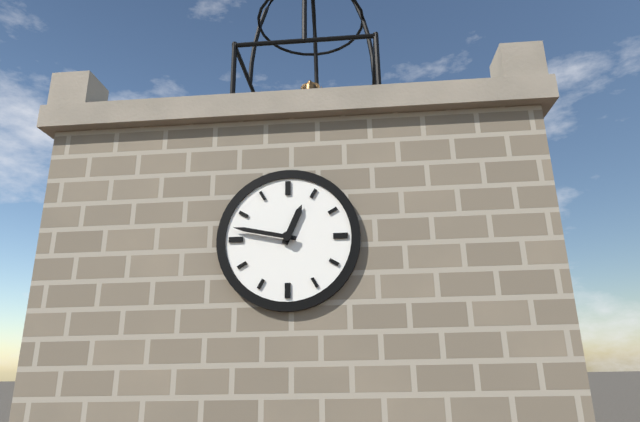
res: 12 h 47 min
